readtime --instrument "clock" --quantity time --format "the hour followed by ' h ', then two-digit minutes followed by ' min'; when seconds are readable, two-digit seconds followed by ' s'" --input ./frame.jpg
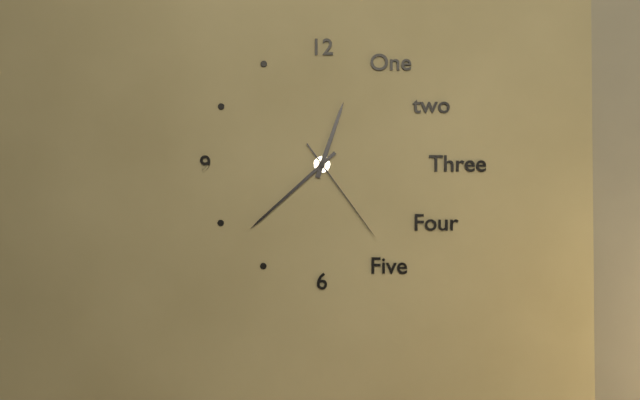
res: 12 h 38 min 24 s
